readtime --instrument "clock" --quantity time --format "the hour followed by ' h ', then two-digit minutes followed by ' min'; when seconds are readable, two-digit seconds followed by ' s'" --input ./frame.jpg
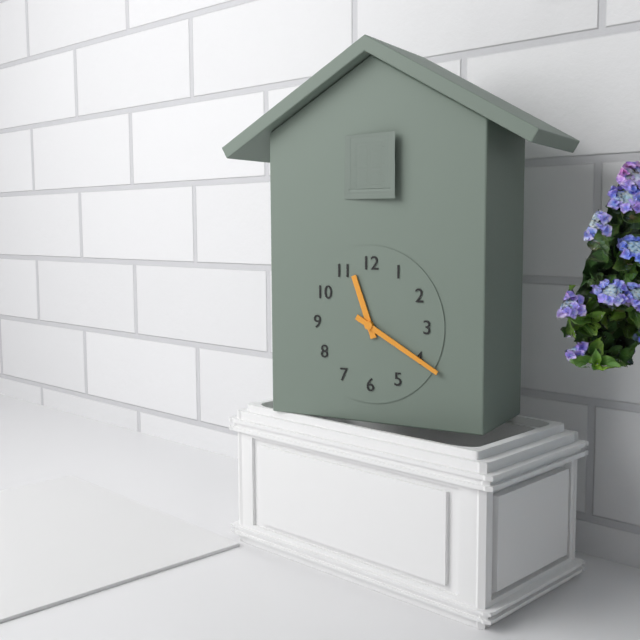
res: 11 h 20 min
